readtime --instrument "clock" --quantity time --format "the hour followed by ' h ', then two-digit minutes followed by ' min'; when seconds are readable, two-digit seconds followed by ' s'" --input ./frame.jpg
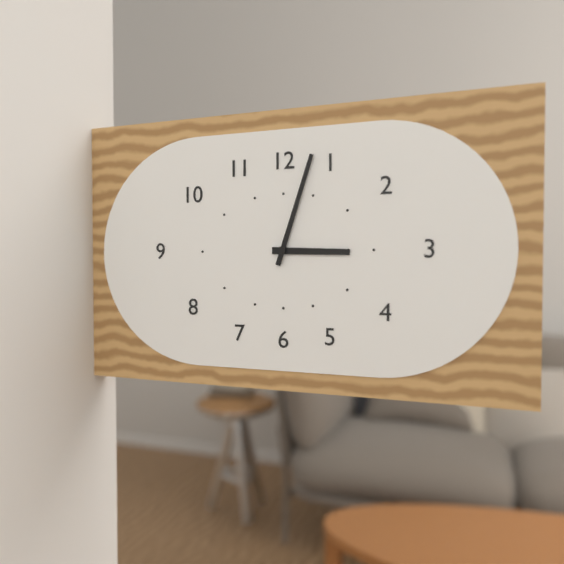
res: 3 h 03 min
